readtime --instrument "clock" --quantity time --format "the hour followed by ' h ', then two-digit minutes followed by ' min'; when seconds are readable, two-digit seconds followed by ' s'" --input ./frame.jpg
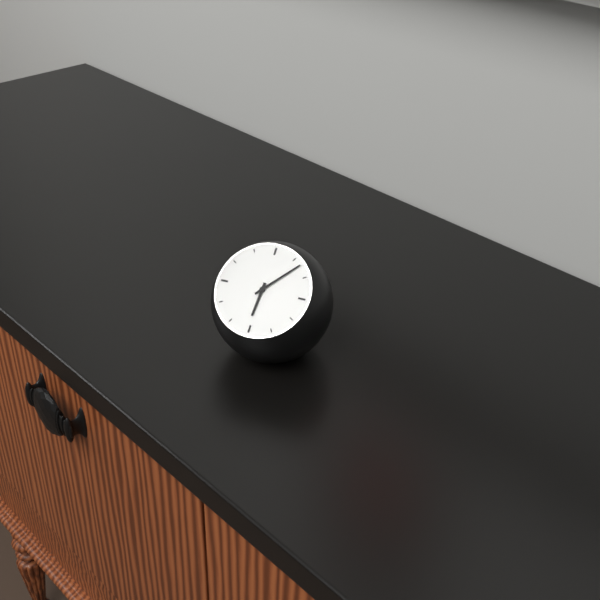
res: 6 h 07 min
